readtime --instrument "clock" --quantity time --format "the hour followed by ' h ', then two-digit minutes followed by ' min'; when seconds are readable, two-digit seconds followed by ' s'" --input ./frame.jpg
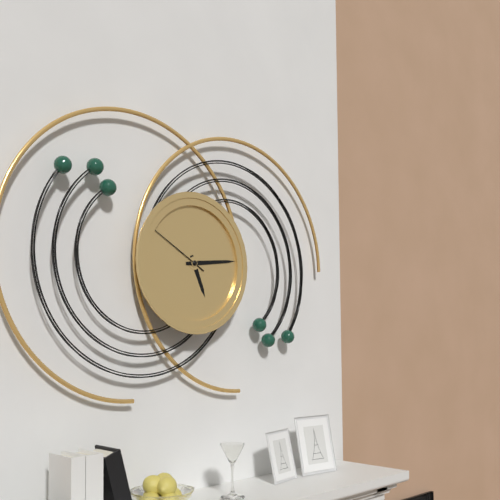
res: 5 h 14 min 50 s
